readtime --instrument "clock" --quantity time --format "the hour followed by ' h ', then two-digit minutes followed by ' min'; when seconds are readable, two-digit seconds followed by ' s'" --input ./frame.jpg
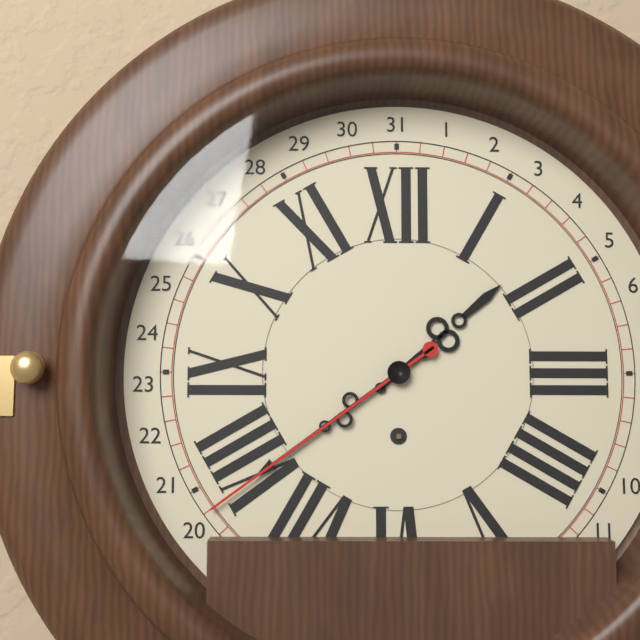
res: 1 h 39 min 39 s
